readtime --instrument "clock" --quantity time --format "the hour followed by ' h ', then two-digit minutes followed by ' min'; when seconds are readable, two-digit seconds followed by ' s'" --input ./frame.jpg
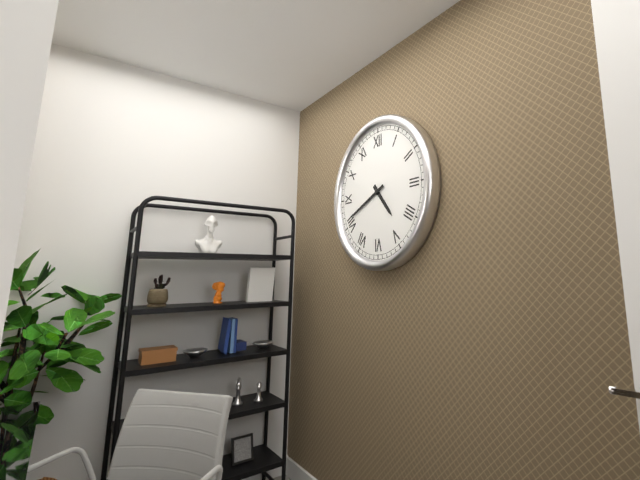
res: 4 h 41 min
